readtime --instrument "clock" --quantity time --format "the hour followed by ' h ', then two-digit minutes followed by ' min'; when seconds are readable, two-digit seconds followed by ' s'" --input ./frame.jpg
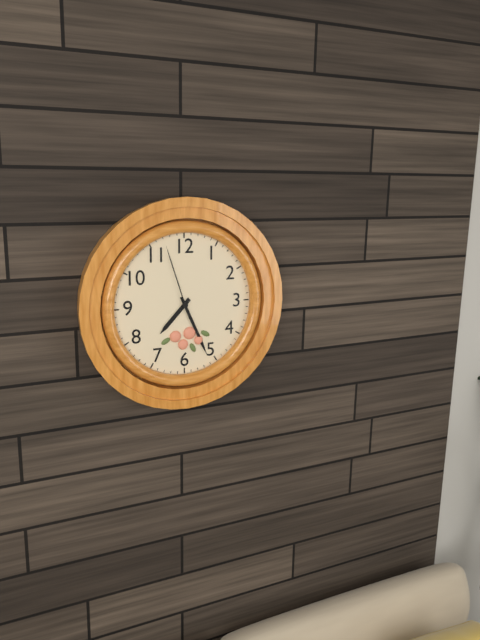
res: 7 h 26 min 57 s
